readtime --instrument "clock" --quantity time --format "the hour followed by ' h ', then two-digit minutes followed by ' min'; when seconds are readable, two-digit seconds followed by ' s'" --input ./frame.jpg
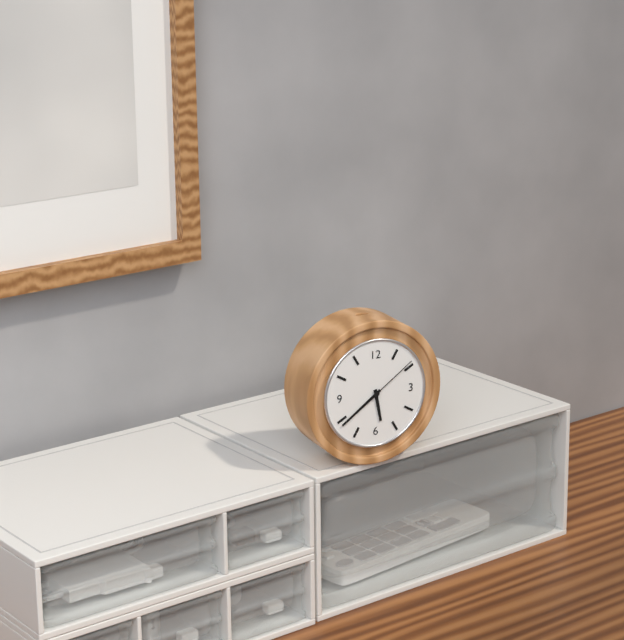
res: 5 h 39 min 09 s
